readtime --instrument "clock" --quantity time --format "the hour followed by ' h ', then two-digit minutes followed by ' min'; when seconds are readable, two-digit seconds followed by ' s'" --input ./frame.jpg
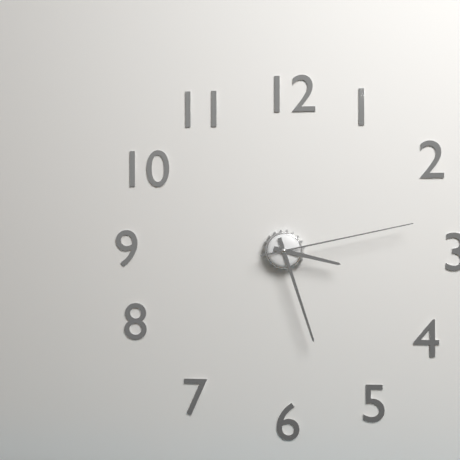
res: 3 h 27 min 13 s
